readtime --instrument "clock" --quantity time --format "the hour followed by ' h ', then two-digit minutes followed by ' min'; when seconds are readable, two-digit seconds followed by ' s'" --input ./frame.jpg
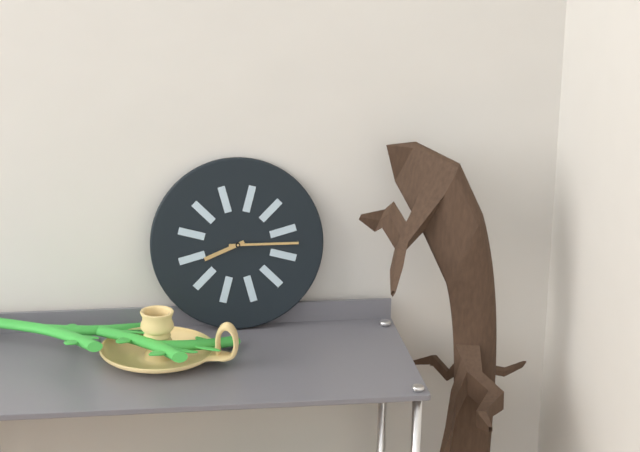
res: 8 h 15 min
